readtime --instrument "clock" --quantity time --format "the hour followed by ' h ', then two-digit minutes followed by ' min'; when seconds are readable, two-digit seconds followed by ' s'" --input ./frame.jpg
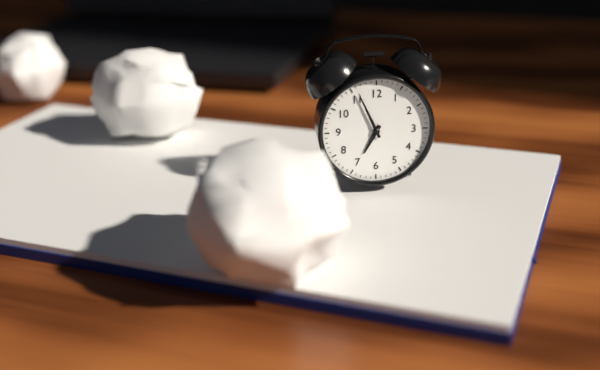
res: 6 h 56 min
